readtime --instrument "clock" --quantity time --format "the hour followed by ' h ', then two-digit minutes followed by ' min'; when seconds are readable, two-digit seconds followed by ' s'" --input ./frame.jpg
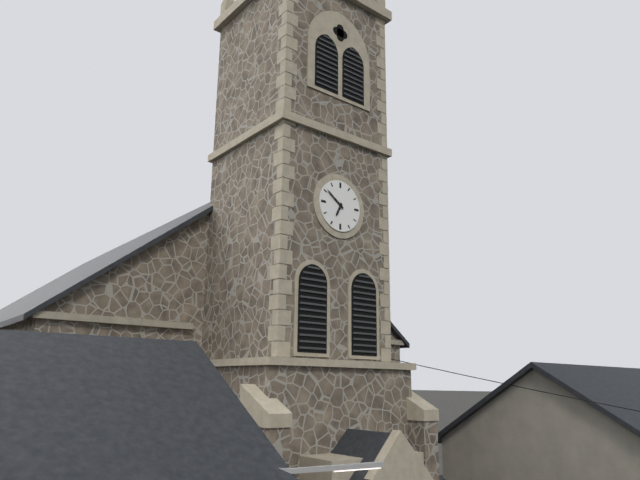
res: 6 h 51 min
